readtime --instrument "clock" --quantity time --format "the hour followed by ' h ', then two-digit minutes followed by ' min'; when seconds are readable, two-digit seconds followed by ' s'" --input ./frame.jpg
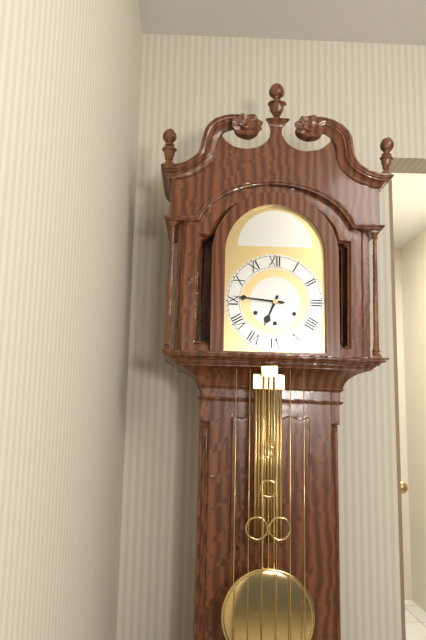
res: 6 h 46 min
